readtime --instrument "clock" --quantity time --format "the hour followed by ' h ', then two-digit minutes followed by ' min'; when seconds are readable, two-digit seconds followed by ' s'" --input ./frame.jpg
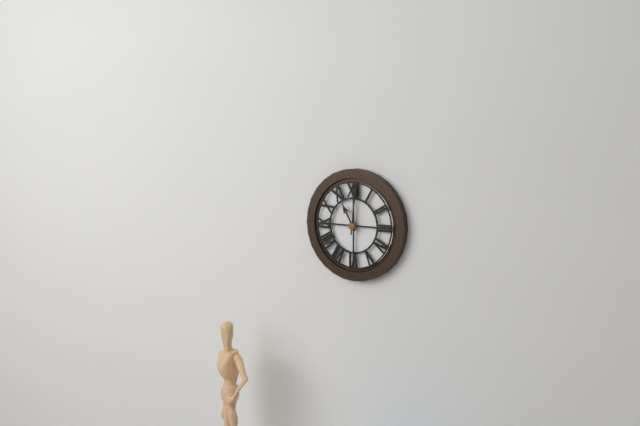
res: 11 h 01 min
